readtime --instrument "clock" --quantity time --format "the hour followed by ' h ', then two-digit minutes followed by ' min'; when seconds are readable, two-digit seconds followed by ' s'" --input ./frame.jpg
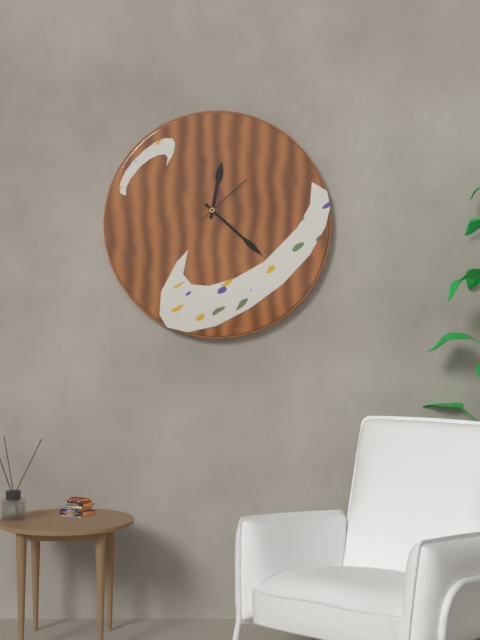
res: 12 h 22 min 08 s
